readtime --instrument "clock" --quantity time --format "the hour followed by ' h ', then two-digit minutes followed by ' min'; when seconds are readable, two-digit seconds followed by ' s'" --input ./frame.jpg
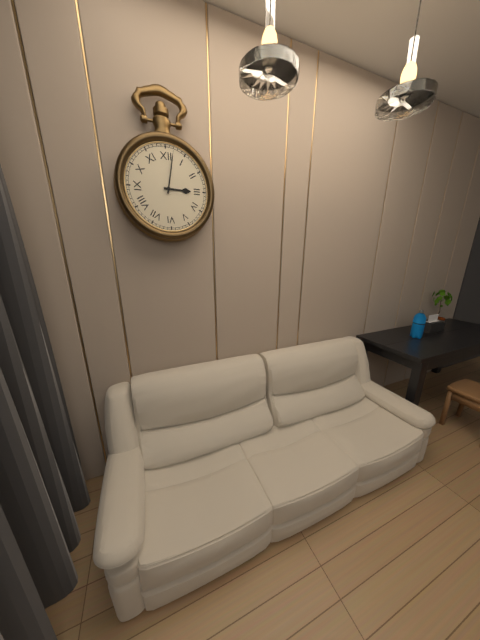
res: 3 h 02 min
